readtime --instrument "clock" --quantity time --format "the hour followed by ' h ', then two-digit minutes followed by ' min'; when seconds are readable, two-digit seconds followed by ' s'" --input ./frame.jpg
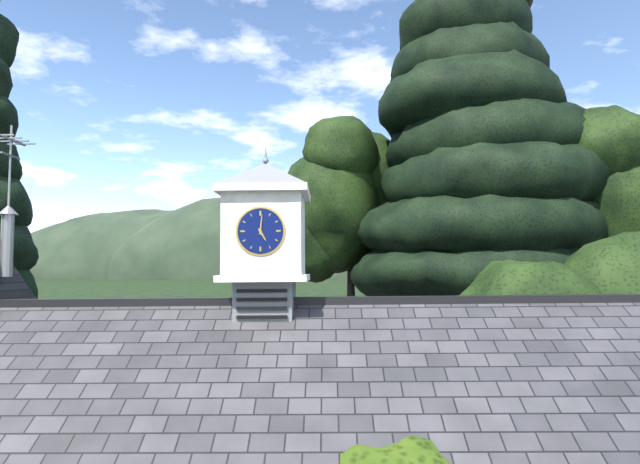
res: 5 h 01 min
